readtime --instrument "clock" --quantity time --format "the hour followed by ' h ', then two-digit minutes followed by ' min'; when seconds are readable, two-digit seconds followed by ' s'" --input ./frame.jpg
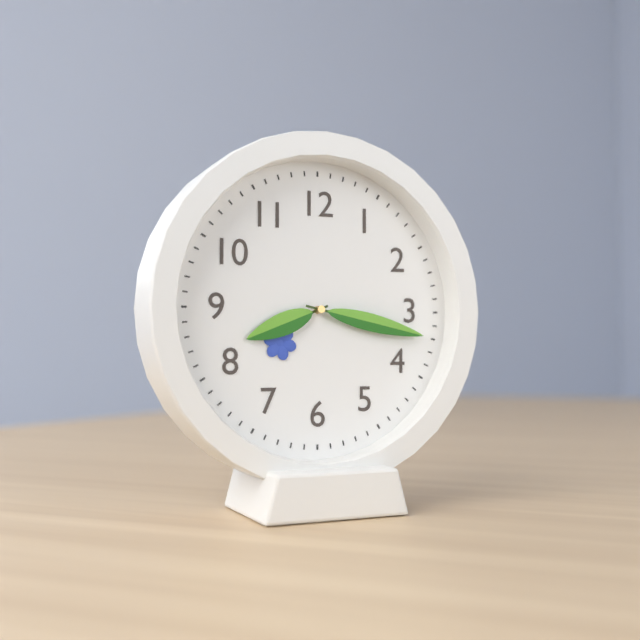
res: 8 h 17 min
